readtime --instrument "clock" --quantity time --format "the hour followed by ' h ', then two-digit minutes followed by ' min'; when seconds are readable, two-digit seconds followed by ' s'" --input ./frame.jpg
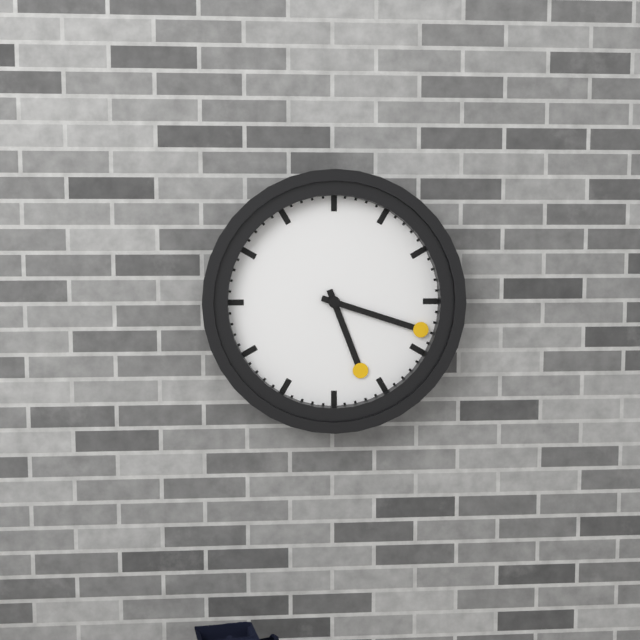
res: 5 h 18 min
